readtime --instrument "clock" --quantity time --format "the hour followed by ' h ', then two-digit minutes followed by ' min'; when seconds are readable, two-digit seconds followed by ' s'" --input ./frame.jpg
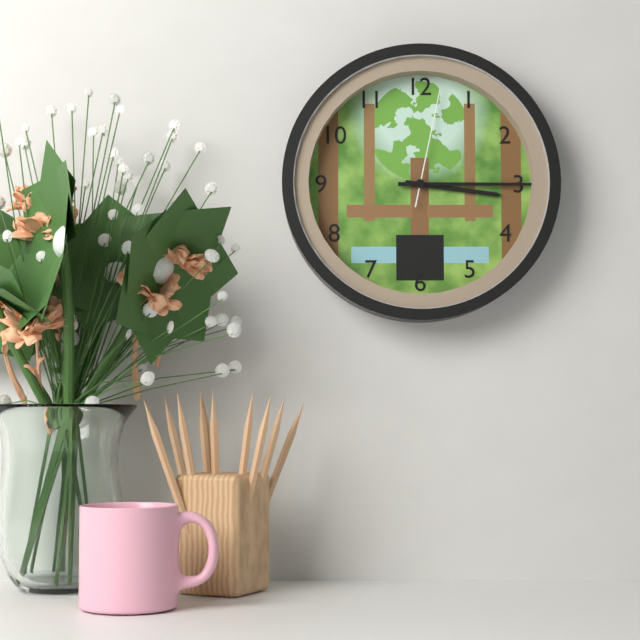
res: 3 h 15 min 02 s
